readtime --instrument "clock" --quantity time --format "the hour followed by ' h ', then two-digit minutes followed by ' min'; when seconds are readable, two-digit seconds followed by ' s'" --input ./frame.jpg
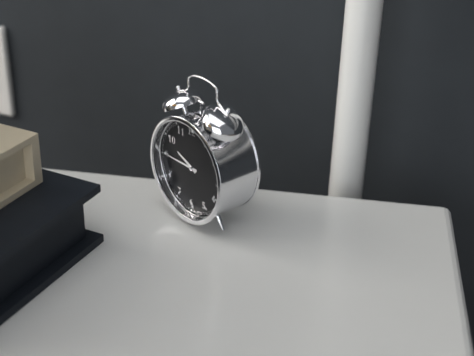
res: 9 h 45 min
